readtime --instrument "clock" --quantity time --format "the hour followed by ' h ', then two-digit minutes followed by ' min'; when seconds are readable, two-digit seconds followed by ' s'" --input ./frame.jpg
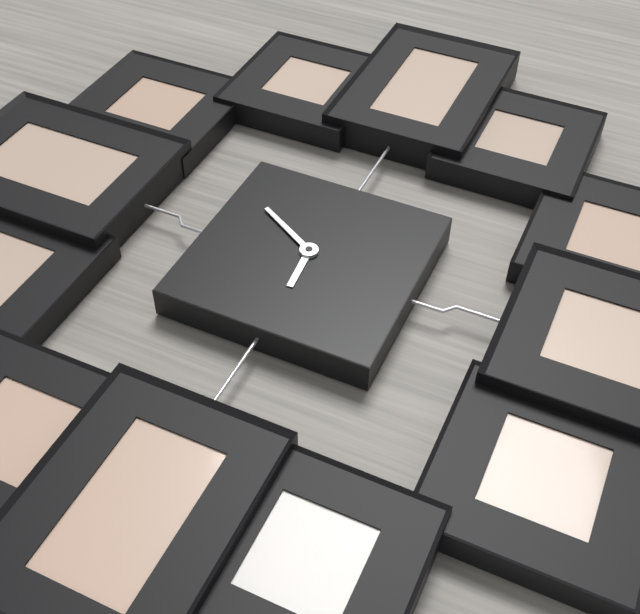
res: 5 h 50 min
